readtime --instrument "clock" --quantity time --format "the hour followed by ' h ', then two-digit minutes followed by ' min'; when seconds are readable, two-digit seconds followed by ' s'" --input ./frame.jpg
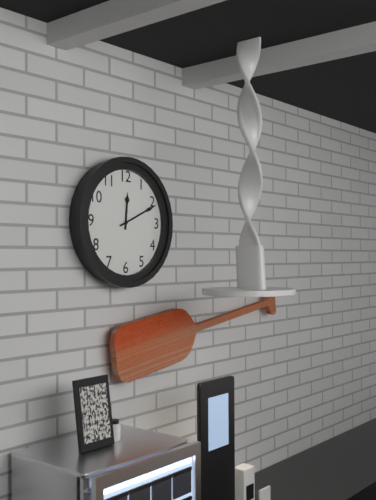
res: 12 h 11 min
